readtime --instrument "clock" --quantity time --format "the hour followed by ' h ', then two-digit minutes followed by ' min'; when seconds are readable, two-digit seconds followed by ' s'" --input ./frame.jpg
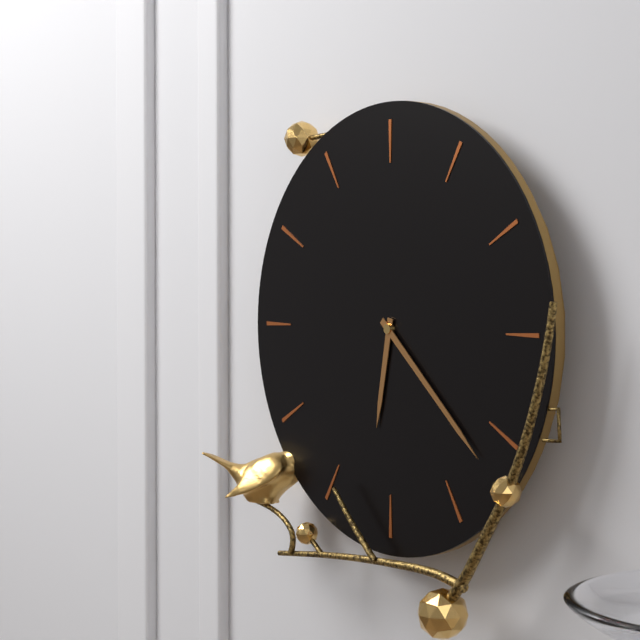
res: 6 h 22 min
